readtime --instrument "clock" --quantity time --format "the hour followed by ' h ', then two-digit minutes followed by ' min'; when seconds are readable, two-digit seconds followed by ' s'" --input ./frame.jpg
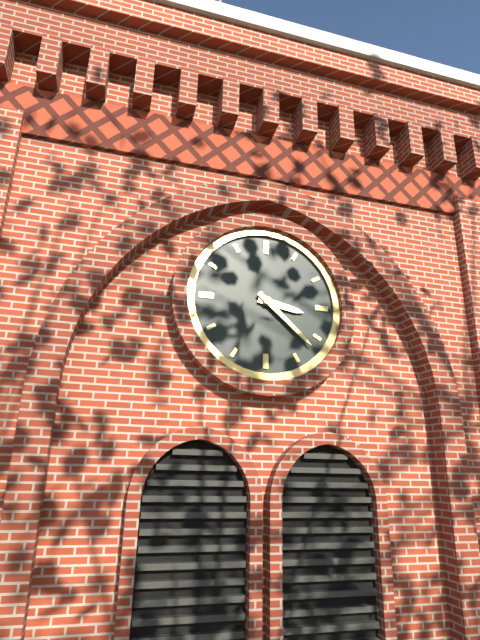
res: 3 h 22 min
